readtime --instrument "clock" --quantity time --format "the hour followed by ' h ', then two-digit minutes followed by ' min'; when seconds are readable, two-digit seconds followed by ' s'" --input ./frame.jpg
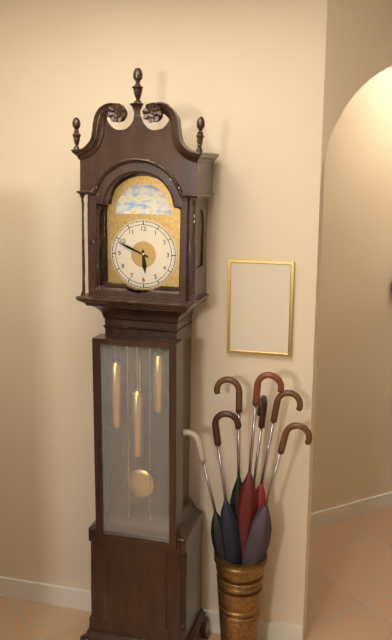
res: 5 h 49 min
